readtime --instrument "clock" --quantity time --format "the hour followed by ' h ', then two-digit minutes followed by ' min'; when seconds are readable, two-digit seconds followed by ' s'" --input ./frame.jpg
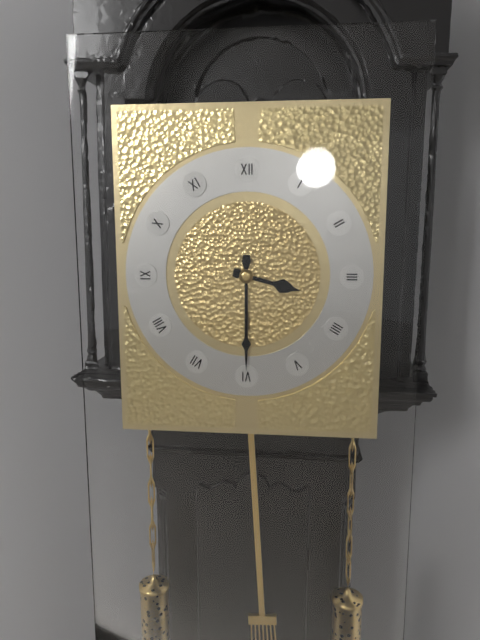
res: 3 h 30 min
